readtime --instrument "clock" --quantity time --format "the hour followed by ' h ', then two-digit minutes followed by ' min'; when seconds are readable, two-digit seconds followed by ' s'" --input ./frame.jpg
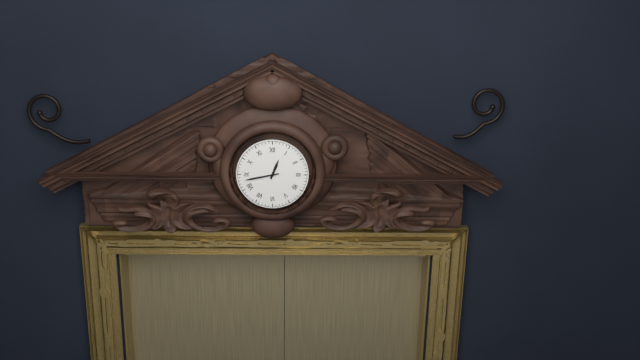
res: 12 h 43 min
